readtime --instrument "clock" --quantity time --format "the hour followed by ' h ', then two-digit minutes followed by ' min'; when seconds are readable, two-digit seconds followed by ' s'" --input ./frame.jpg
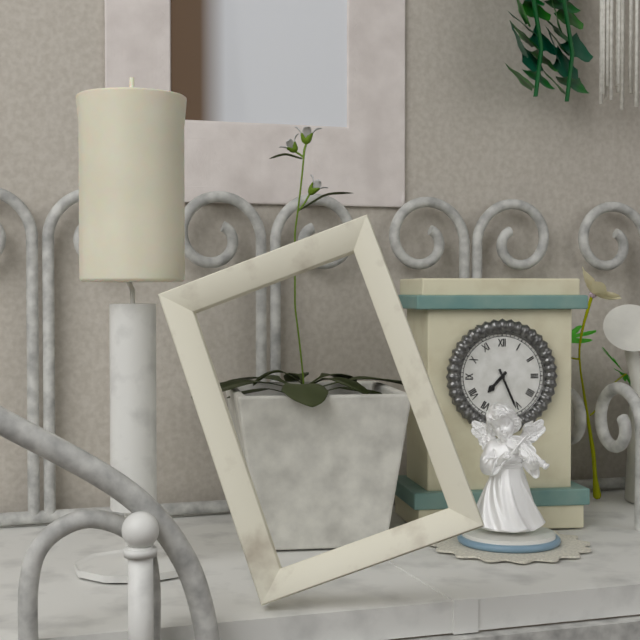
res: 7 h 26 min
